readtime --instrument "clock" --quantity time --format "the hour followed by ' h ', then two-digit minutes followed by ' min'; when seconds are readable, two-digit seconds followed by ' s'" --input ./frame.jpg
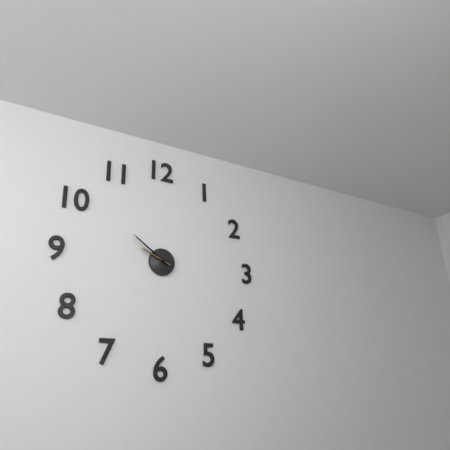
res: 9 h 51 min
